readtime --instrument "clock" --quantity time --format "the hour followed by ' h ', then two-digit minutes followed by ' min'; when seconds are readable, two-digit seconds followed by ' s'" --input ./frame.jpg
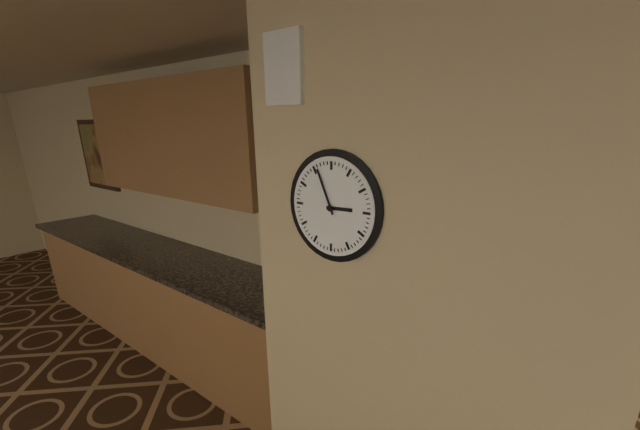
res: 2 h 56 min
